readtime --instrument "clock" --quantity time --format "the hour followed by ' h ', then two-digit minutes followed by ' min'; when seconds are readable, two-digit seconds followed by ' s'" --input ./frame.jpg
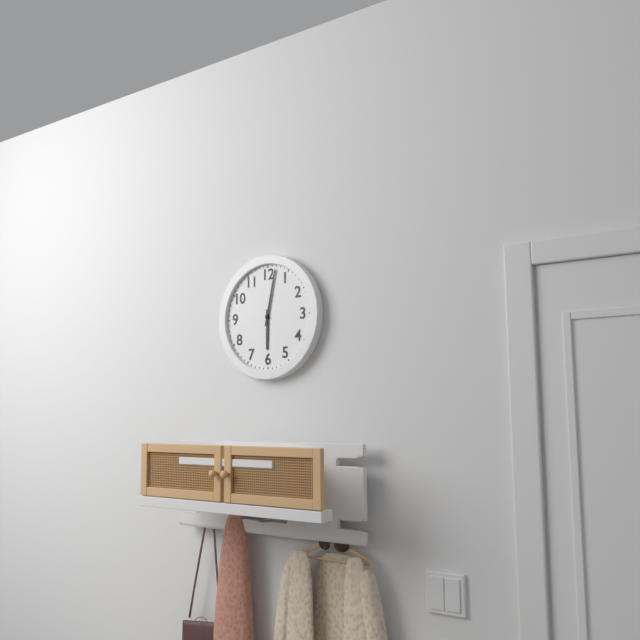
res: 6 h 02 min
